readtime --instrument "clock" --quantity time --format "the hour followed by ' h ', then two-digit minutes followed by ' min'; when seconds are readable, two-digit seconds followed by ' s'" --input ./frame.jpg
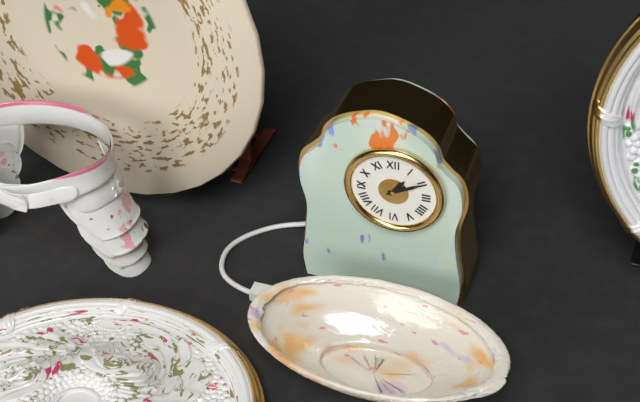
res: 1 h 10 min
